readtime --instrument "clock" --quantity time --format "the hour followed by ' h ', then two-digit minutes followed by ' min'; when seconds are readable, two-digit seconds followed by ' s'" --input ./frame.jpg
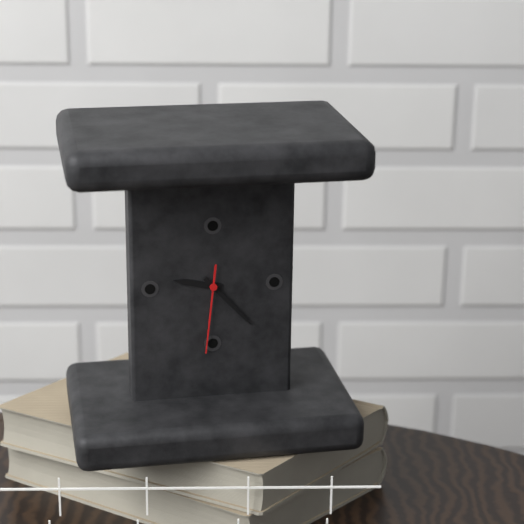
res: 9 h 23 min 31 s
